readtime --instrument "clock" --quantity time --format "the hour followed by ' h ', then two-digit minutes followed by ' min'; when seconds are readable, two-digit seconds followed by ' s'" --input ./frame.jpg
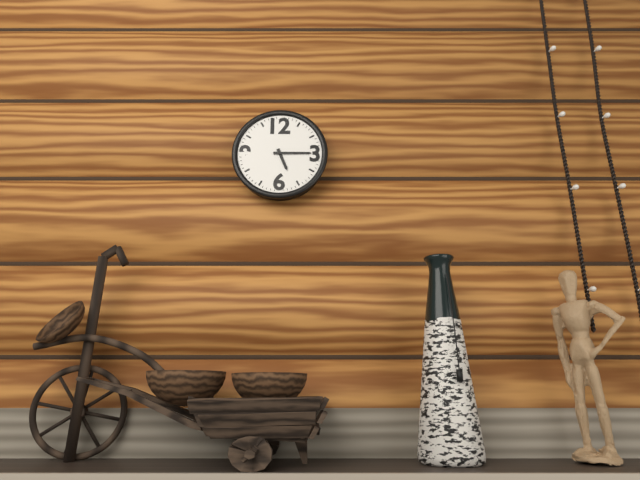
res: 5 h 15 min
